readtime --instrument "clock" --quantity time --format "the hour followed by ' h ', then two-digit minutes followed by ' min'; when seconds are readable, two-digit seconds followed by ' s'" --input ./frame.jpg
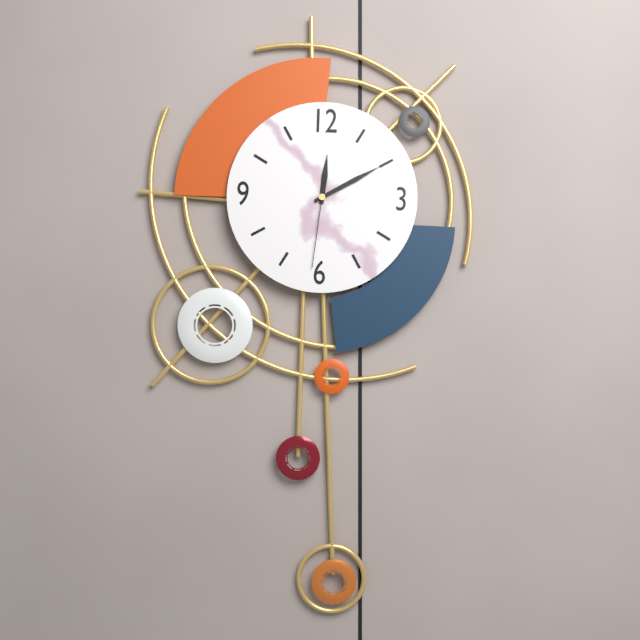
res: 12 h 10 min 31 s
